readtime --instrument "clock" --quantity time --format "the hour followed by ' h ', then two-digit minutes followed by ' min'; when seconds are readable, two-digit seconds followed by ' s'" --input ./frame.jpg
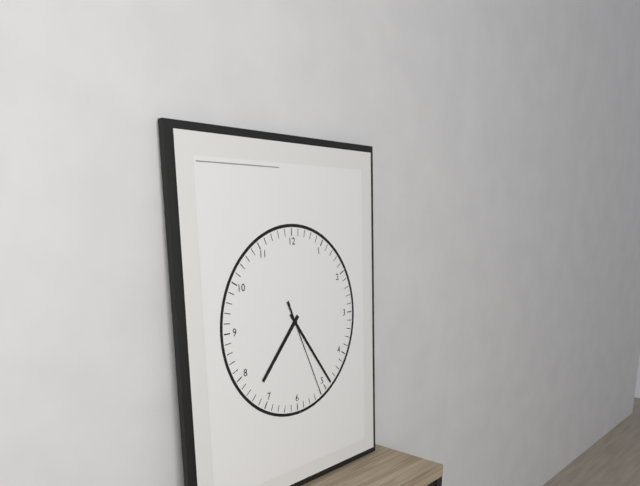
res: 7 h 24 min 26 s
